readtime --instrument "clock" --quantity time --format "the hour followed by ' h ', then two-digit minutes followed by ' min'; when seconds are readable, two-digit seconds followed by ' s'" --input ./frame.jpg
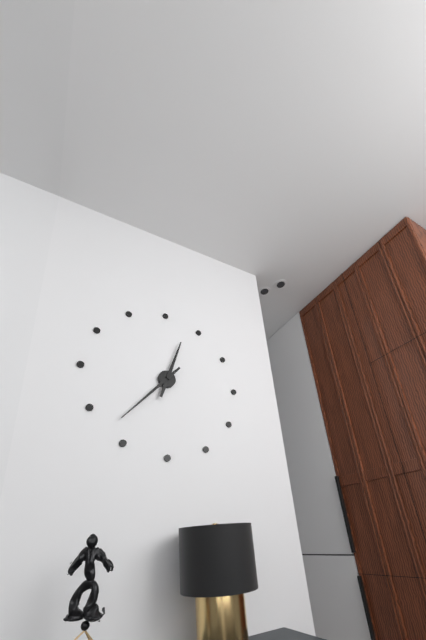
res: 12 h 37 min
